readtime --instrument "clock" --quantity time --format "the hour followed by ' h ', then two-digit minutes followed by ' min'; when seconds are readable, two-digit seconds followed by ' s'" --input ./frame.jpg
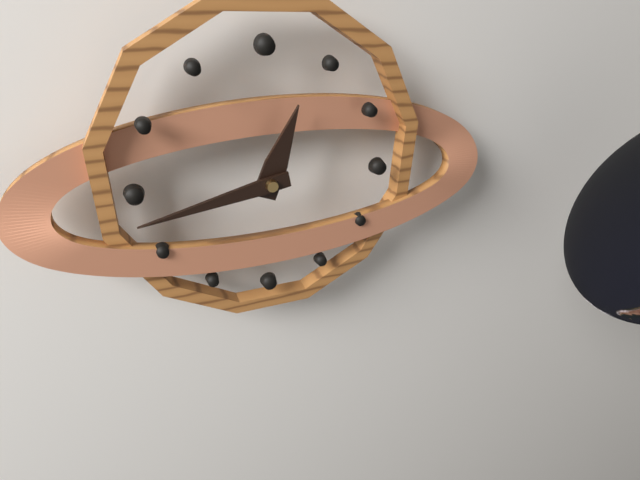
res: 12 h 43 min
